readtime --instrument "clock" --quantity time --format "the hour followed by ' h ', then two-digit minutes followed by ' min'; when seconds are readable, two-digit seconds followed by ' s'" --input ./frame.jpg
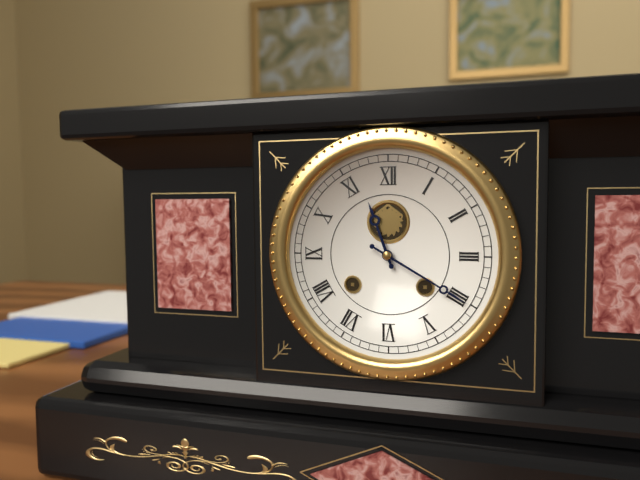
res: 11 h 20 min
